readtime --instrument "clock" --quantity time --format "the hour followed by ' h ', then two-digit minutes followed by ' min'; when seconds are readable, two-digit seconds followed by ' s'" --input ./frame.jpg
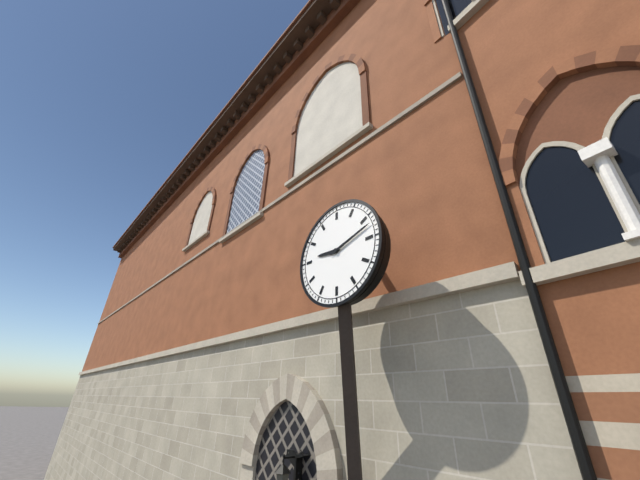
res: 9 h 12 min
